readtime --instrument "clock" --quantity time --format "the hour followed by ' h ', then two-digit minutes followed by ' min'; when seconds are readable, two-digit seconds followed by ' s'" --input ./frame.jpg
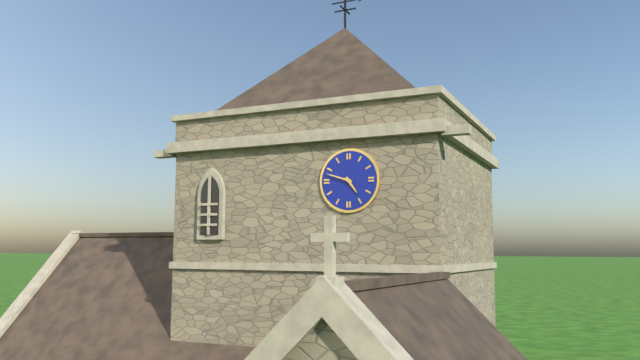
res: 4 h 48 min
